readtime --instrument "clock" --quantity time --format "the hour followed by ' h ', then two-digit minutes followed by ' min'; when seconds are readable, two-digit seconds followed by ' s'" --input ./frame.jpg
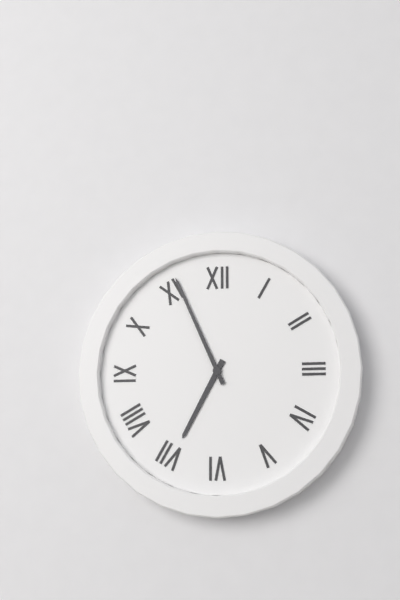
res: 6 h 56 min
